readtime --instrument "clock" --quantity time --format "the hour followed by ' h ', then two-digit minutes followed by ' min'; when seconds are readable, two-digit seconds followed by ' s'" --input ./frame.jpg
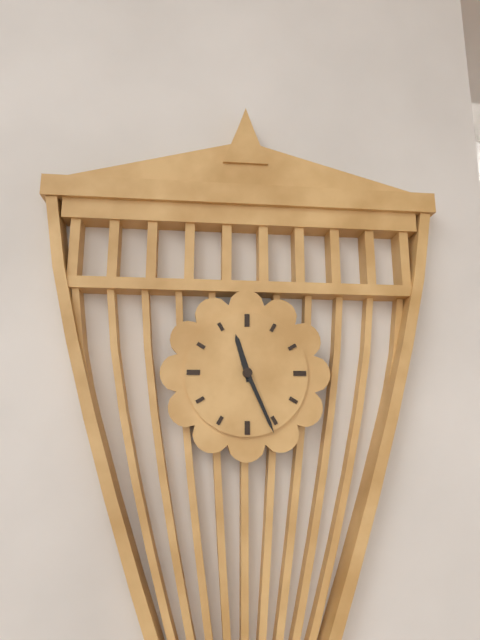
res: 11 h 26 min
